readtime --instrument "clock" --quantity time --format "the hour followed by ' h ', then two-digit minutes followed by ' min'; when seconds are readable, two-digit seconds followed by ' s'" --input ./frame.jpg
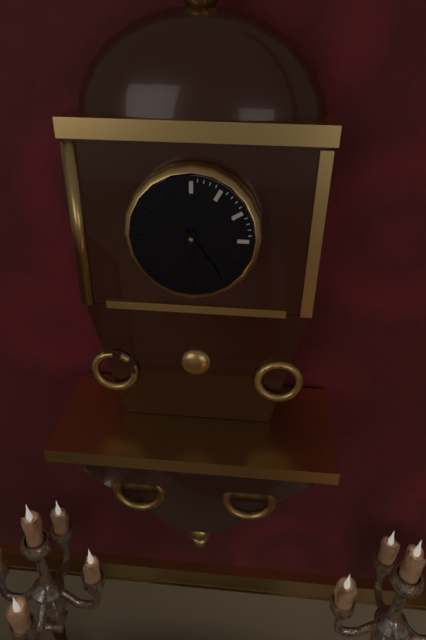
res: 6 h 24 min
